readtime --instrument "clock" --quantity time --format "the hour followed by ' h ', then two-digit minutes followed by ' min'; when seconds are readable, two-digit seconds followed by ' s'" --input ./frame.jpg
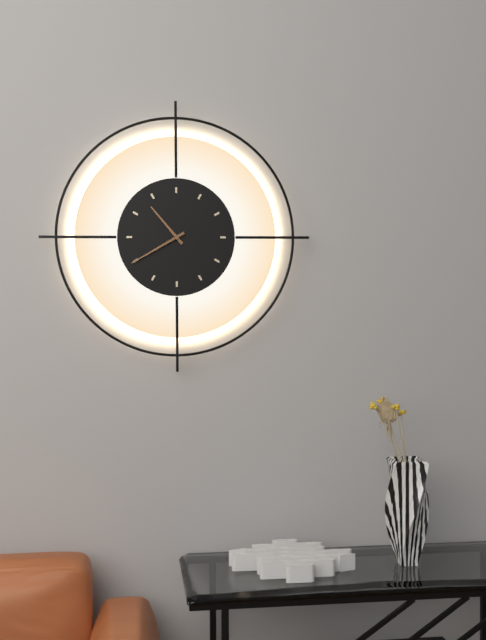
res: 10 h 40 min
